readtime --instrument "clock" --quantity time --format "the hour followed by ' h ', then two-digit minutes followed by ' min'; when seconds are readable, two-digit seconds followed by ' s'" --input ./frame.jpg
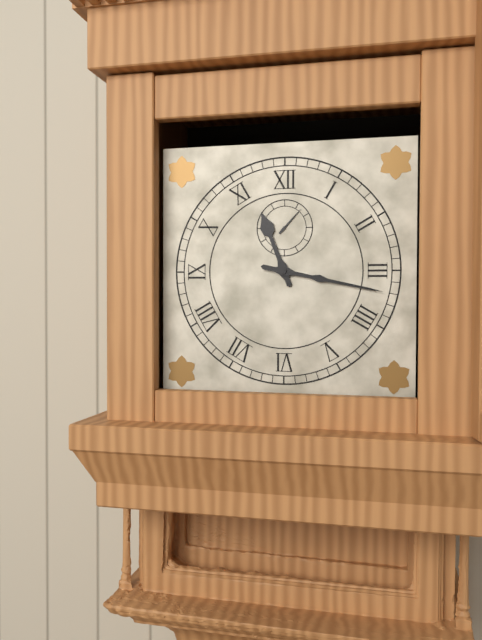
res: 11 h 17 min
